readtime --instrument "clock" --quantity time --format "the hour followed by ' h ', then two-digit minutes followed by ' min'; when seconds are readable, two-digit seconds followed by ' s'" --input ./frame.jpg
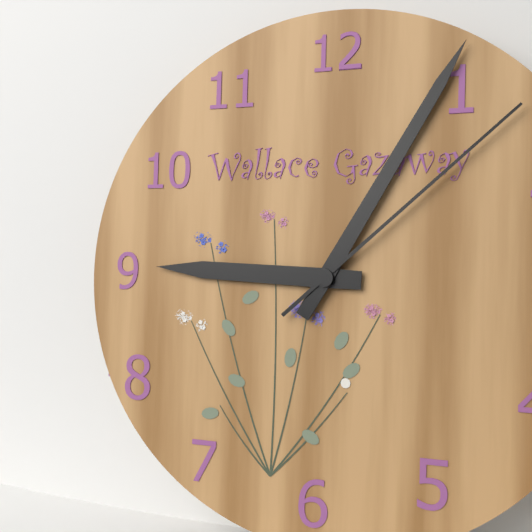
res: 9 h 05 min 08 s
